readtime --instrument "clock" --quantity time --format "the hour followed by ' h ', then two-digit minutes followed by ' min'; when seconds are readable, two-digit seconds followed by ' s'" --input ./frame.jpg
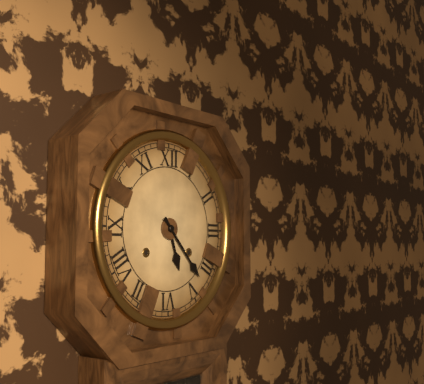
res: 5 h 23 min
